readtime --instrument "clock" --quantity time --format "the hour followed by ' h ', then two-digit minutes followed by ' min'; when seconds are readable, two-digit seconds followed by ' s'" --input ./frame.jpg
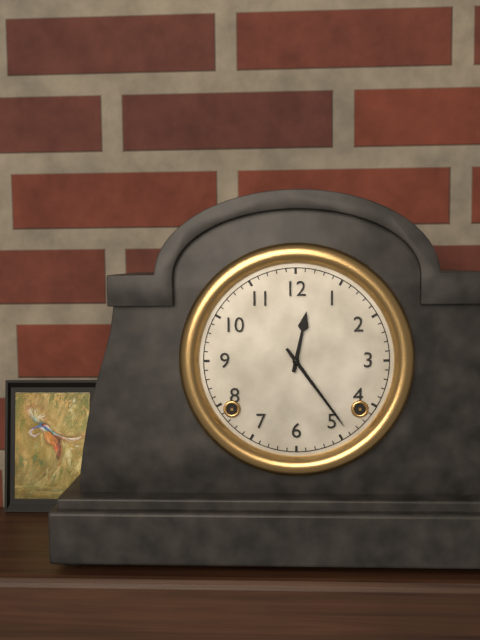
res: 12 h 24 min
